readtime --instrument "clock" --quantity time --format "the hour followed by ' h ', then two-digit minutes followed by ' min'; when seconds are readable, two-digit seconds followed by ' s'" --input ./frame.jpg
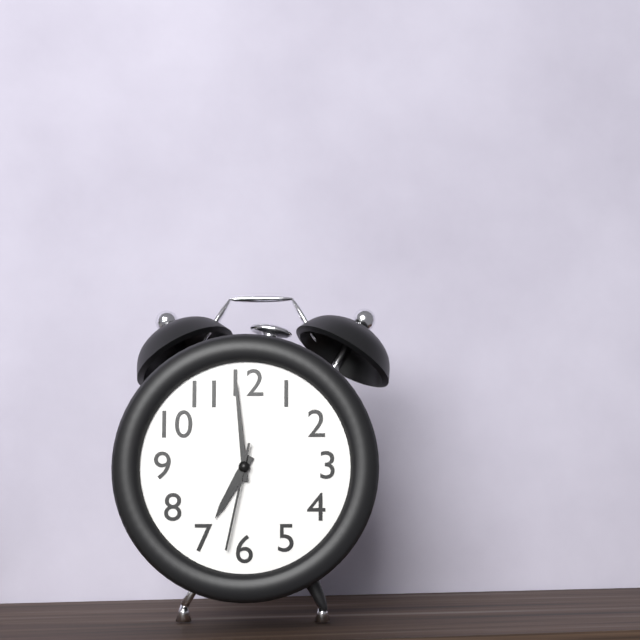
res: 6 h 59 min 32 s
